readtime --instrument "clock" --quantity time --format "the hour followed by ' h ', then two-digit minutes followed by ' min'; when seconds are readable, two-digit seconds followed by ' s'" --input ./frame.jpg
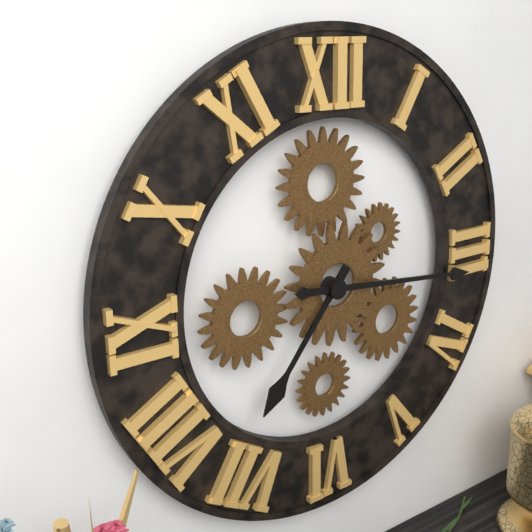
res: 7 h 16 min
